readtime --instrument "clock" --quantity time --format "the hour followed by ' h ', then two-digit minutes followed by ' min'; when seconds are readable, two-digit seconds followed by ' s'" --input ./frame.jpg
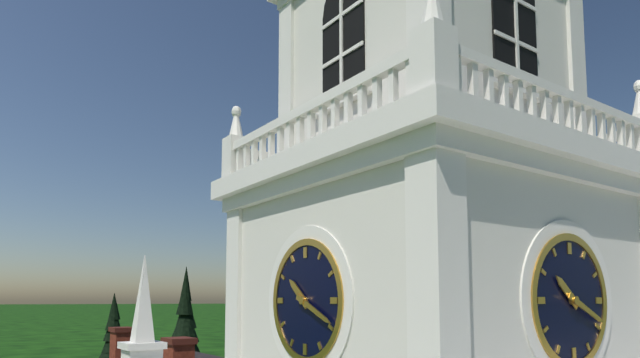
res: 10 h 19 min
